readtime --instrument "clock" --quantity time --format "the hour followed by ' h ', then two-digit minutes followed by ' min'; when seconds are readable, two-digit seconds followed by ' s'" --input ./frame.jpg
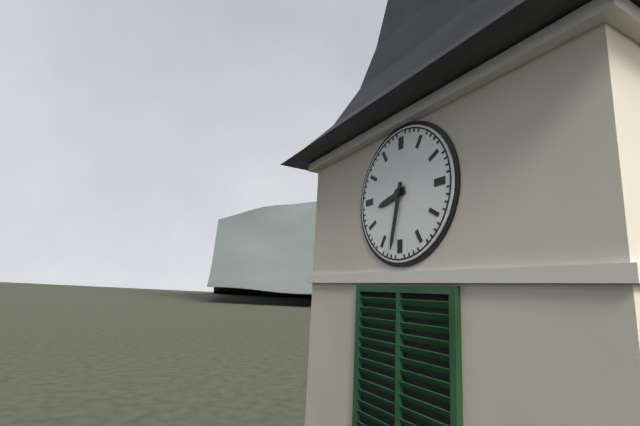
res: 8 h 32 min
